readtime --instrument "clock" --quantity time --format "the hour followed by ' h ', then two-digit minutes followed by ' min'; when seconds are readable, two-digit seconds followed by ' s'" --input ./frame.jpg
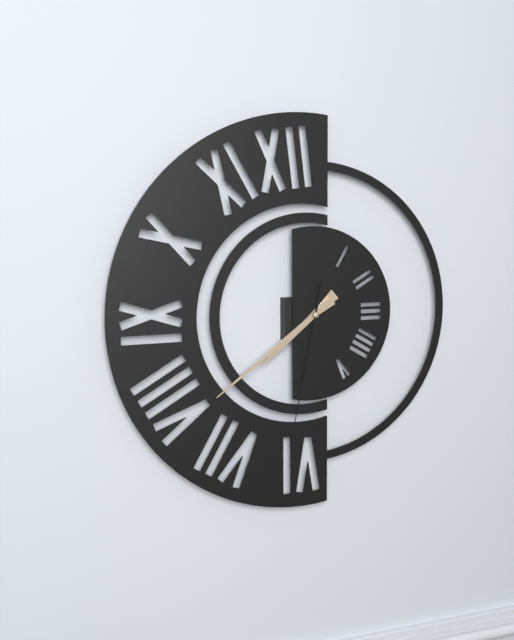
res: 7 h 39 min 32 s
